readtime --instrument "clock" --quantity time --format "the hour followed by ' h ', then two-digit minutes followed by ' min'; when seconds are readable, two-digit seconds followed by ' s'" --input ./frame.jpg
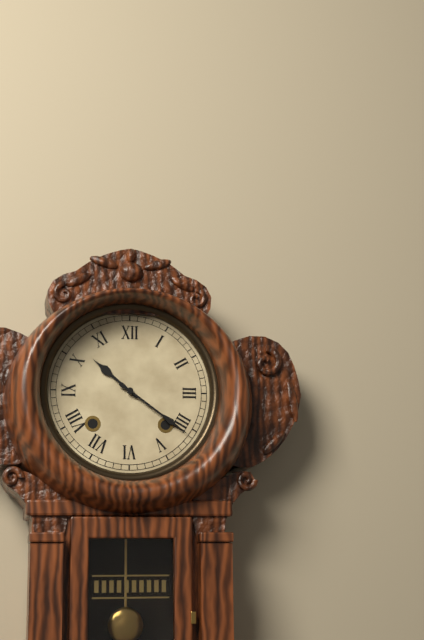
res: 10 h 21 min
